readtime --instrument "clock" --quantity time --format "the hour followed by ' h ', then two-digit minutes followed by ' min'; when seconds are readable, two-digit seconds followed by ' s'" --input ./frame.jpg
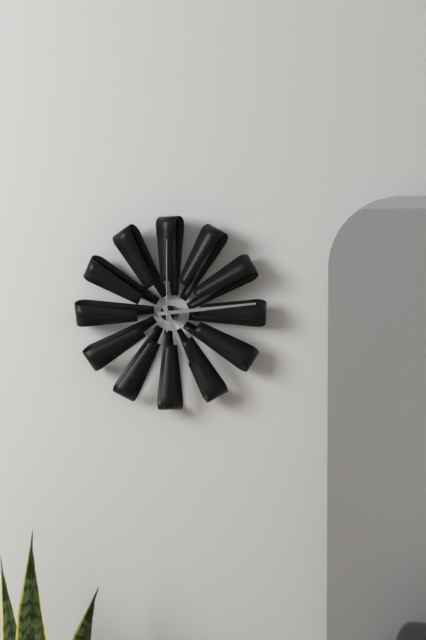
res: 5 h 14 min 00 s
